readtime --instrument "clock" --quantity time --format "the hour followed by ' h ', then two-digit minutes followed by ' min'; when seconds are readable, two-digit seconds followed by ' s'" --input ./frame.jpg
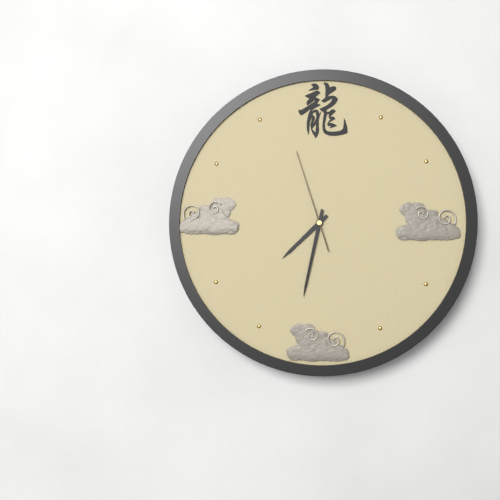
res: 7 h 32 min 57 s
